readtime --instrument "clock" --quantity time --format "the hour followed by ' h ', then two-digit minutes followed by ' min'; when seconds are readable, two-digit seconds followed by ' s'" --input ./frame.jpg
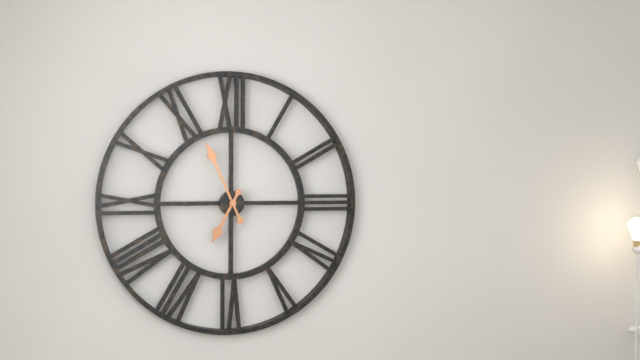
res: 6 h 56 min
